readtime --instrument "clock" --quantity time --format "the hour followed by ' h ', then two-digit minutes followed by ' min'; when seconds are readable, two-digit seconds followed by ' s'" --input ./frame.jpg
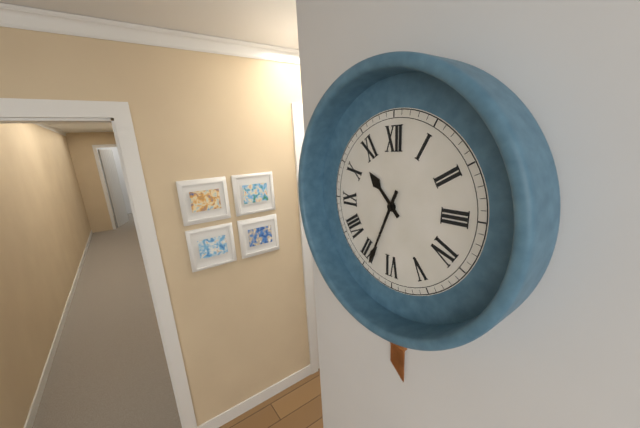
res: 10 h 34 min
